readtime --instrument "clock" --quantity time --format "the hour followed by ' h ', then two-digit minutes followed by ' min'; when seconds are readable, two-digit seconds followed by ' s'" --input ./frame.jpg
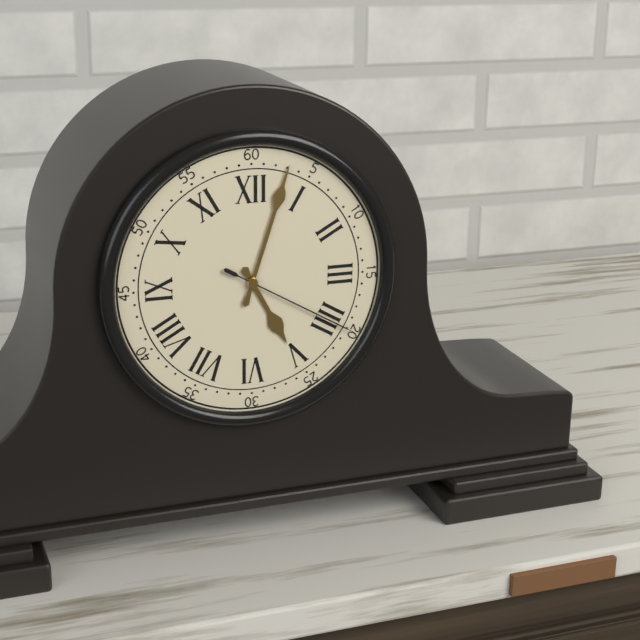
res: 5 h 03 min 20 s
